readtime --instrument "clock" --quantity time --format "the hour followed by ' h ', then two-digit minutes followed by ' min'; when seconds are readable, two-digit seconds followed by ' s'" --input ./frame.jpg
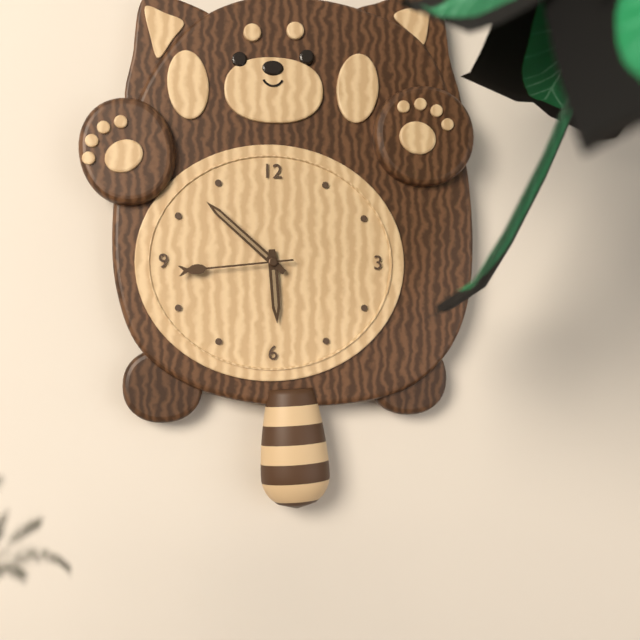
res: 5 h 52 min 44 s
